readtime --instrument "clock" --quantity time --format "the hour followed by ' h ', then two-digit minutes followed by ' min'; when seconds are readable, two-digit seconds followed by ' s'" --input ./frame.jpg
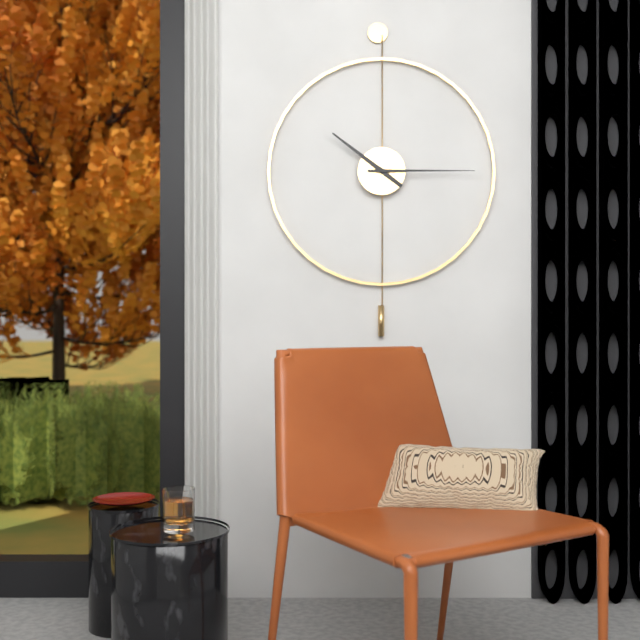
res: 10 h 15 min
